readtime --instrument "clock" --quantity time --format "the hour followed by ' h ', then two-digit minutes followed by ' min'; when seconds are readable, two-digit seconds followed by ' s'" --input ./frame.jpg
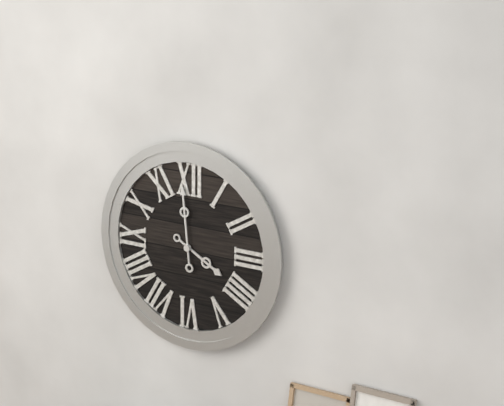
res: 3 h 59 min
